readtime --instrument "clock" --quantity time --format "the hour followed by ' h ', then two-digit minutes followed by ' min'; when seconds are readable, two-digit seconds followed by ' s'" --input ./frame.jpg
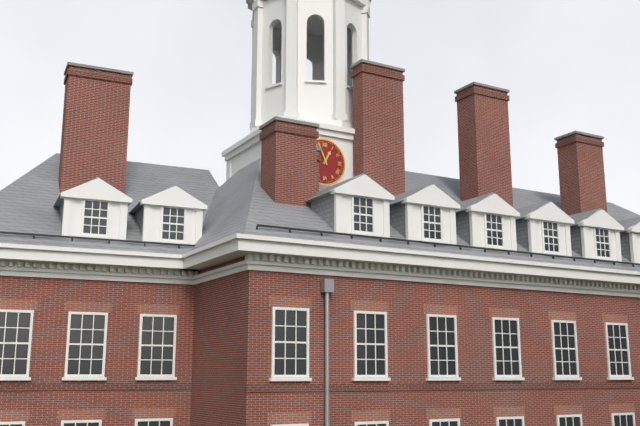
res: 12 h 56 min
